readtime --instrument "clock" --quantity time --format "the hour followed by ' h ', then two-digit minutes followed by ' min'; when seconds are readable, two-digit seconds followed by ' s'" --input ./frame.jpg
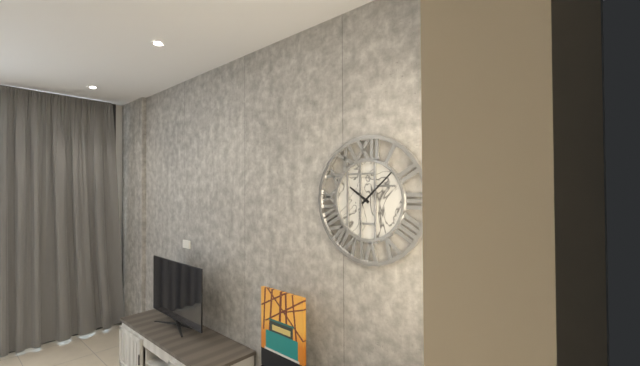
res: 10 h 08 min
